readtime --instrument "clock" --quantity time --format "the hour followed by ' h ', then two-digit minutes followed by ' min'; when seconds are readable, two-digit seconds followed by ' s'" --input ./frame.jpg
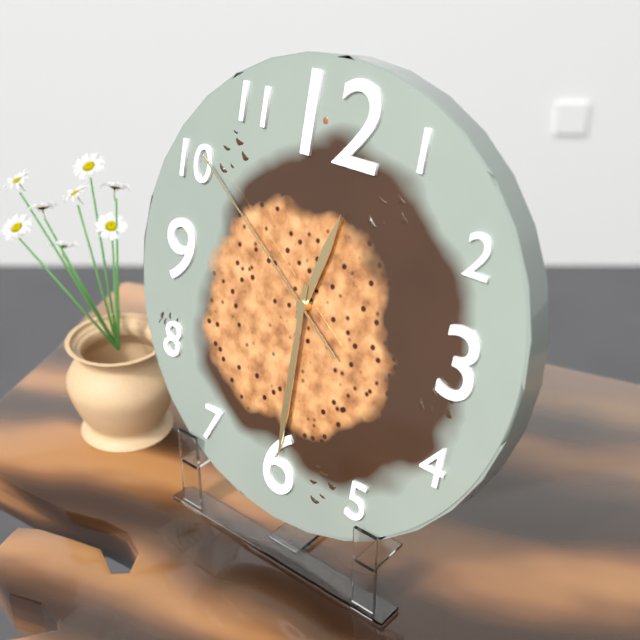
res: 12 h 30 min 51 s
